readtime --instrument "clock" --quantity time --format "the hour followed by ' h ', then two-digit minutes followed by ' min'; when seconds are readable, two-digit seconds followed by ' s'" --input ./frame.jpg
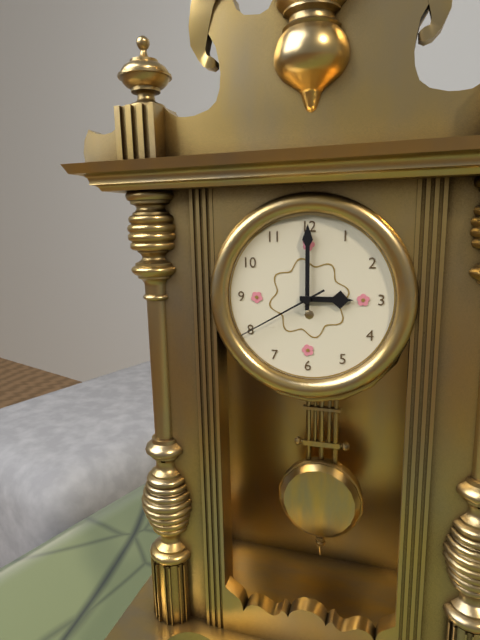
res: 3 h 00 min 40 s
